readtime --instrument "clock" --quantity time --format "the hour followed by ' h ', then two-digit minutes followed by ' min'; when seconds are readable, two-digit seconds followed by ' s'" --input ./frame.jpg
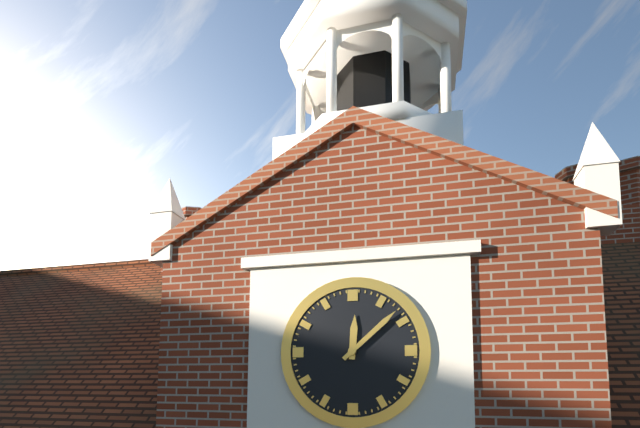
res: 12 h 08 min
